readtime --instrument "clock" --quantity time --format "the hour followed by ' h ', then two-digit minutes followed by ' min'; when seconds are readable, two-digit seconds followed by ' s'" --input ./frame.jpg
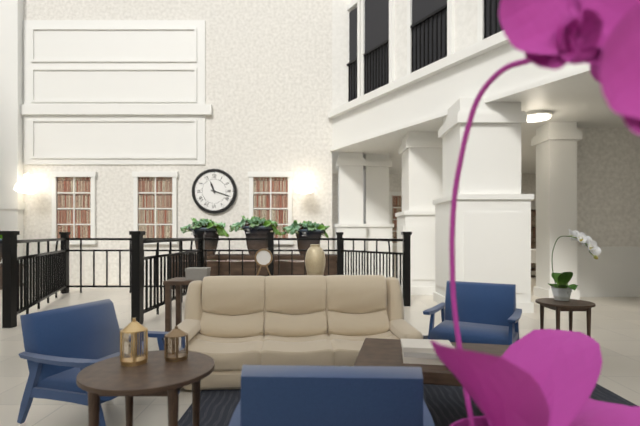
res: 11 h 18 min
